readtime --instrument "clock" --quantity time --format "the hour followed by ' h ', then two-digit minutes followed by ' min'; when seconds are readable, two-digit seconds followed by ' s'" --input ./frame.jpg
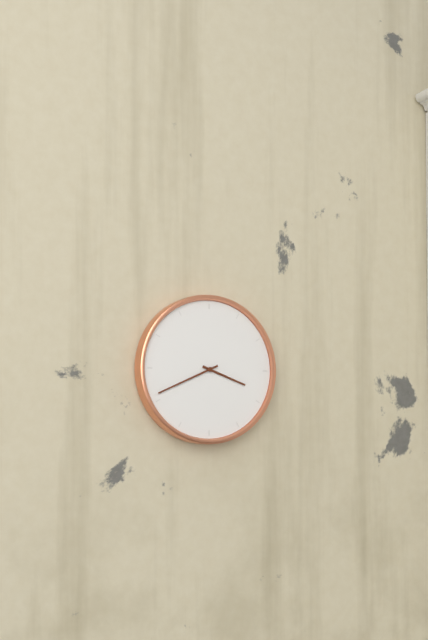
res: 3 h 41 min
